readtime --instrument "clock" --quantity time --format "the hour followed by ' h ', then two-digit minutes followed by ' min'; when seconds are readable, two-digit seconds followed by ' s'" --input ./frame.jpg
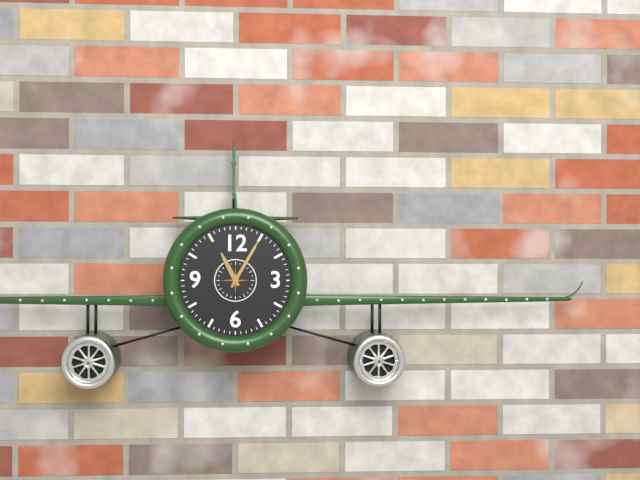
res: 11 h 05 min
